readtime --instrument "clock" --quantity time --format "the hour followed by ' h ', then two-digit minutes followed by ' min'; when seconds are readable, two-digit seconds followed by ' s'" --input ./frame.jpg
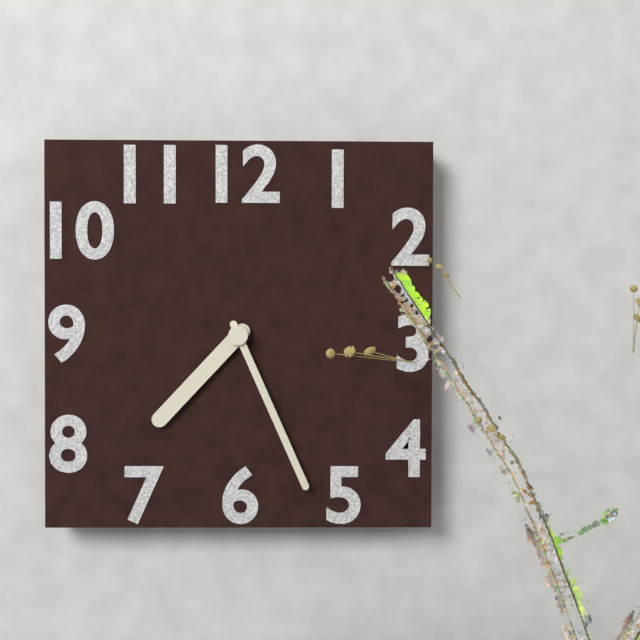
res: 7 h 26 min
